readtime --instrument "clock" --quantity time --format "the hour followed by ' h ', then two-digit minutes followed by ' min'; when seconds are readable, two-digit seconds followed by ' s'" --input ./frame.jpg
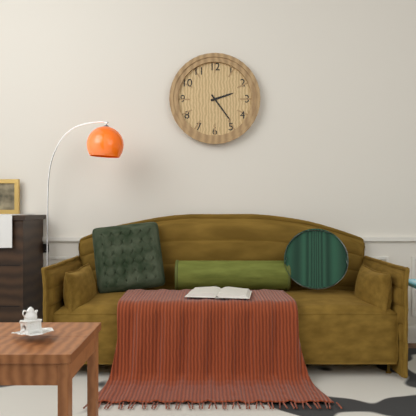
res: 2 h 24 min
